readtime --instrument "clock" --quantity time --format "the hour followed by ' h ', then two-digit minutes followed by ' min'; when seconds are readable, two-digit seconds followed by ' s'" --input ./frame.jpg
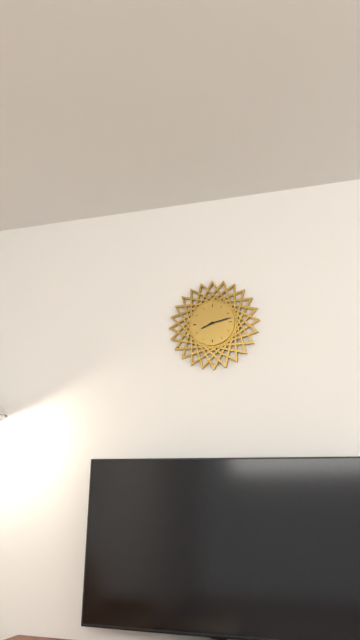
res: 8 h 13 min
